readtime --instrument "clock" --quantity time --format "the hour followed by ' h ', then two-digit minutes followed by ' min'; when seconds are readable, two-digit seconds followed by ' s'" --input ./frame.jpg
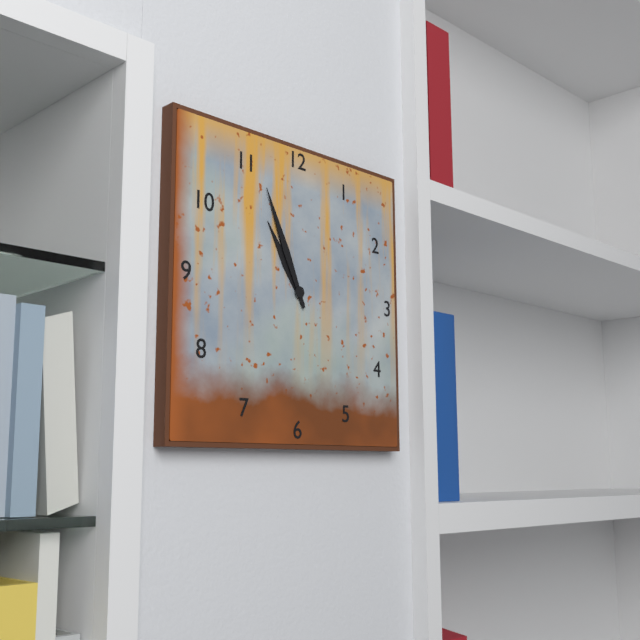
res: 10 h 56 min
